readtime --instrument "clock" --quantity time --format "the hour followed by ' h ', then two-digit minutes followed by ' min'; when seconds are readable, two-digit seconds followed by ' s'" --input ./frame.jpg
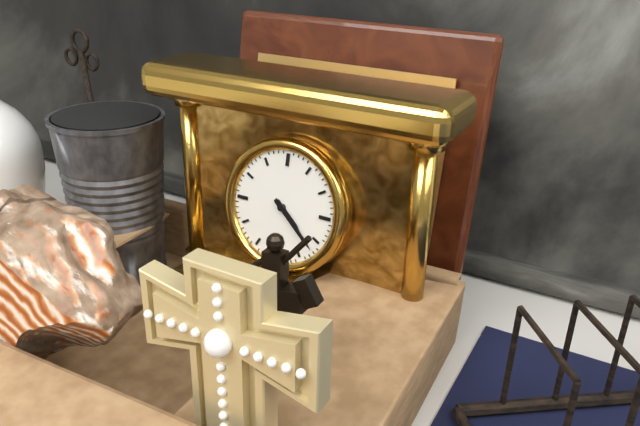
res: 4 h 22 min
